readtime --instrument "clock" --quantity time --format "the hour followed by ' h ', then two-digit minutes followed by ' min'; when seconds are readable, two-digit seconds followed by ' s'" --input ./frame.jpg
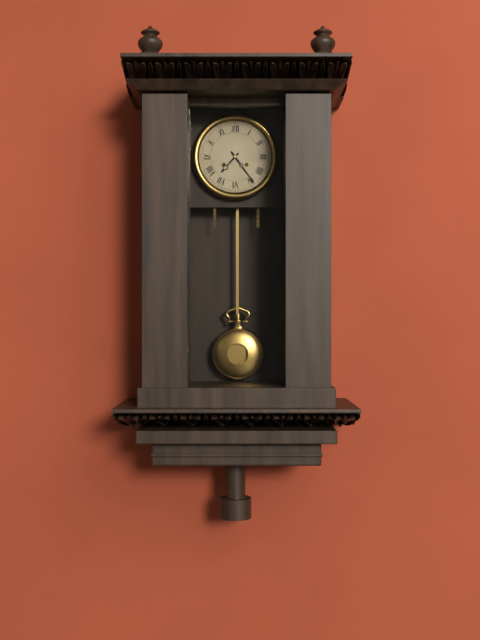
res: 7 h 24 min
